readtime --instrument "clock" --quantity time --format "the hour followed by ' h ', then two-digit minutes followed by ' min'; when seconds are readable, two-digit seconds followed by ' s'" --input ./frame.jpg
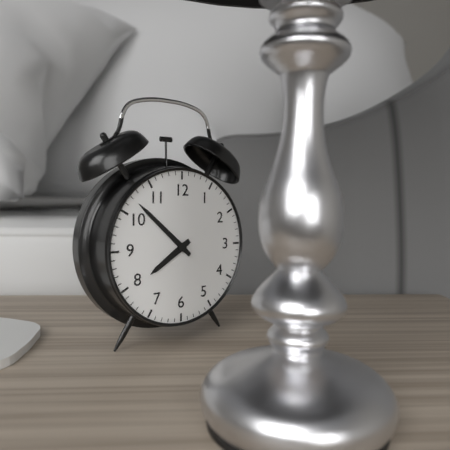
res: 7 h 52 min
